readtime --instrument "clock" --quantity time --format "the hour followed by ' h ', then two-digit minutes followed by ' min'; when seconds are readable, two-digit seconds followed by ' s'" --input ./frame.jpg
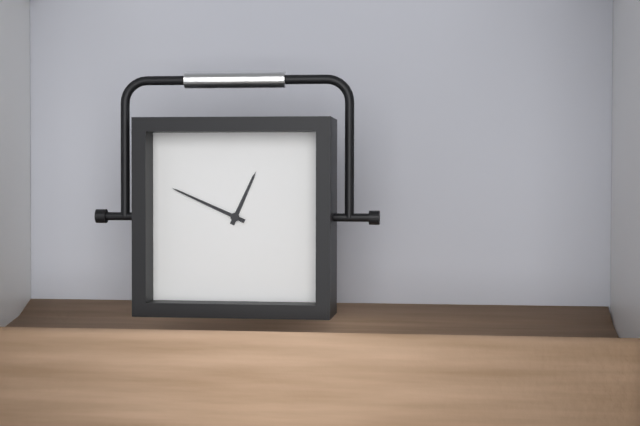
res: 12 h 49 min
